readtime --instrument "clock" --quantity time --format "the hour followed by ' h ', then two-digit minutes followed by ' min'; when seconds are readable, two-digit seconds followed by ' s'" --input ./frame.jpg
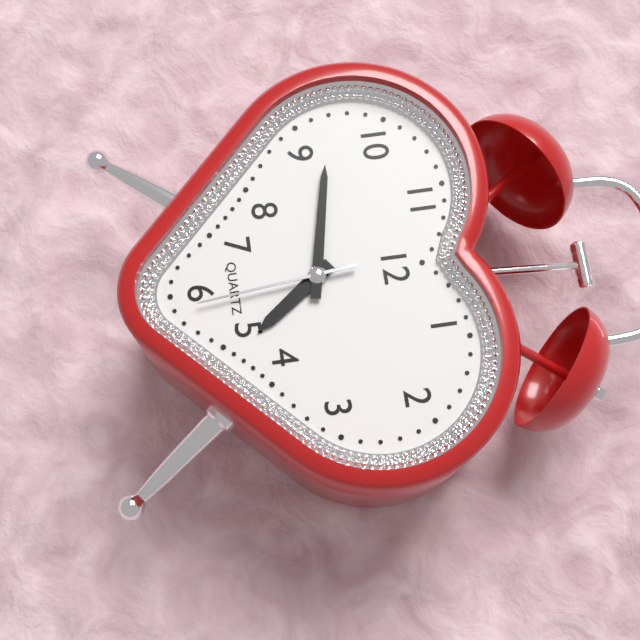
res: 4 h 47 min 29 s
